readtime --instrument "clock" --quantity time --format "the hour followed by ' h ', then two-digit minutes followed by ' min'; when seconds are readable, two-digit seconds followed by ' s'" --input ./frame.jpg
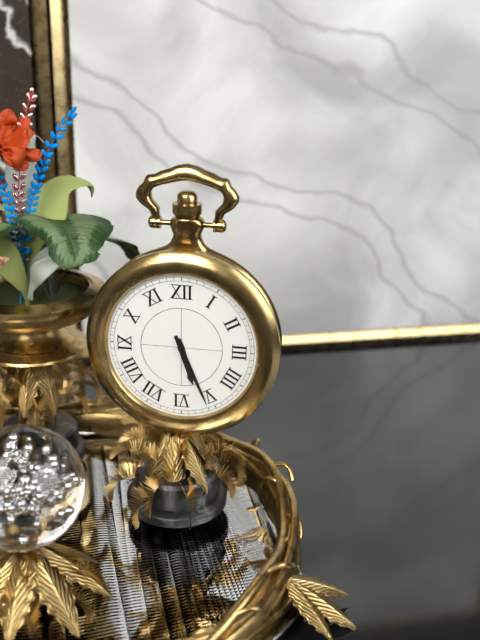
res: 5 h 26 min
